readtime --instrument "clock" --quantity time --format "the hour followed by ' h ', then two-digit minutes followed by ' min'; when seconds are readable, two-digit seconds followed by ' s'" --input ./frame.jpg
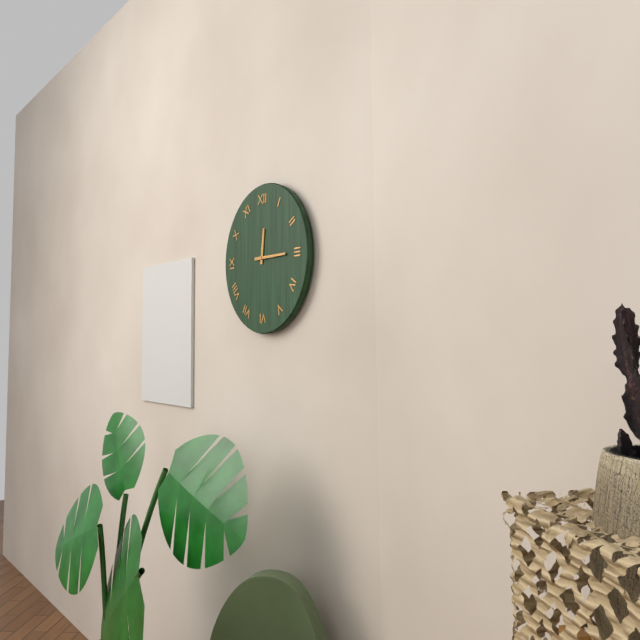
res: 12 h 15 min
